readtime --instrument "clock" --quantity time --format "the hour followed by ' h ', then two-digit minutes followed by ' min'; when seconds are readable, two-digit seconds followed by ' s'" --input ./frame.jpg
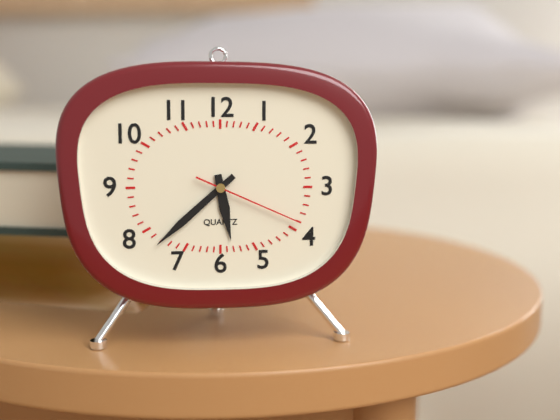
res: 5 h 38 min 19 s
